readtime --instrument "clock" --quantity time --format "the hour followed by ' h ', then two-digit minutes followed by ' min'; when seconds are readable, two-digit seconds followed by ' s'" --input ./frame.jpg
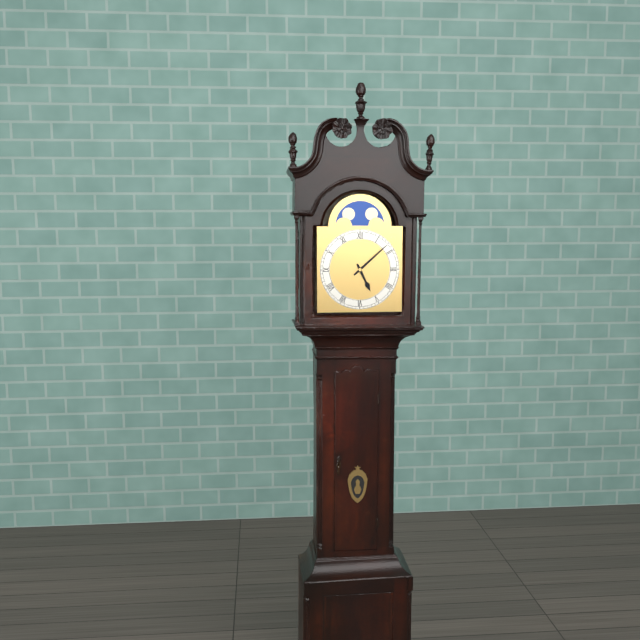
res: 5 h 08 min
